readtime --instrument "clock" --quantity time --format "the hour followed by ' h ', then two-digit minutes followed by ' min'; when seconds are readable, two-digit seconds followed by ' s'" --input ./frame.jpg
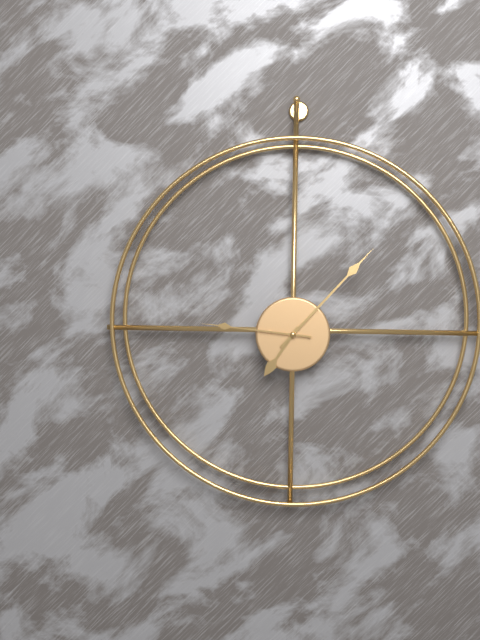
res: 7 h 07 min 46 s
